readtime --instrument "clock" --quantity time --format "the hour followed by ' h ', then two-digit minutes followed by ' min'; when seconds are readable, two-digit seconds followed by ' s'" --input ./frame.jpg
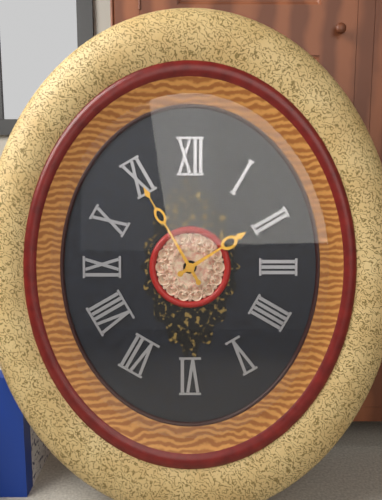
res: 1 h 55 min
